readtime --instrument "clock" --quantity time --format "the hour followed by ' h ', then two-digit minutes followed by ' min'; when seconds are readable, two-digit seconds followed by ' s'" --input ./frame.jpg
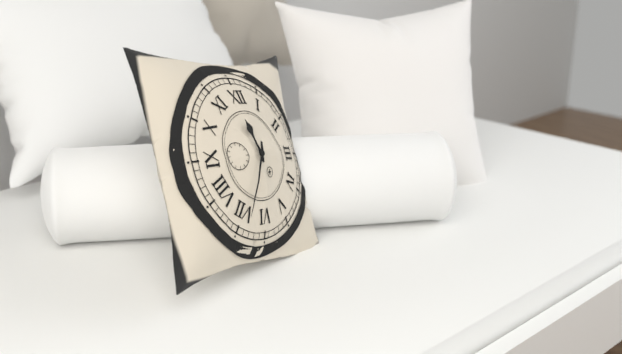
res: 11 h 34 min
